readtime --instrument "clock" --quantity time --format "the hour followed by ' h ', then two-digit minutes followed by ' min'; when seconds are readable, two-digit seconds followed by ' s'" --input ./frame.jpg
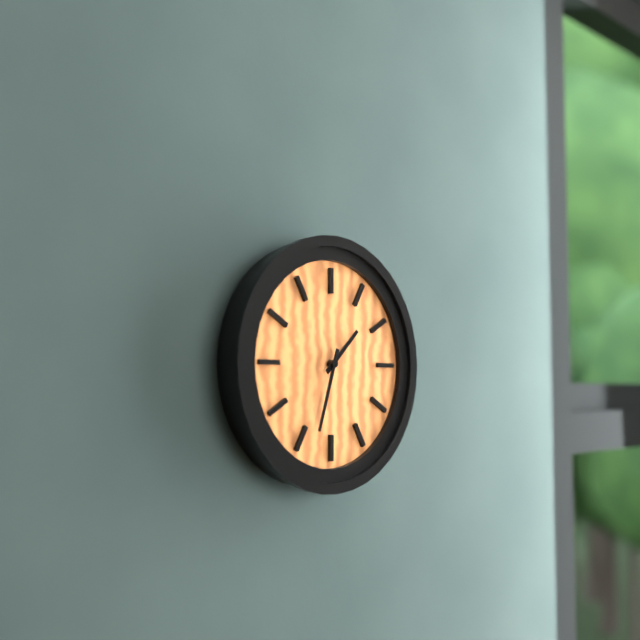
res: 1 h 33 min
